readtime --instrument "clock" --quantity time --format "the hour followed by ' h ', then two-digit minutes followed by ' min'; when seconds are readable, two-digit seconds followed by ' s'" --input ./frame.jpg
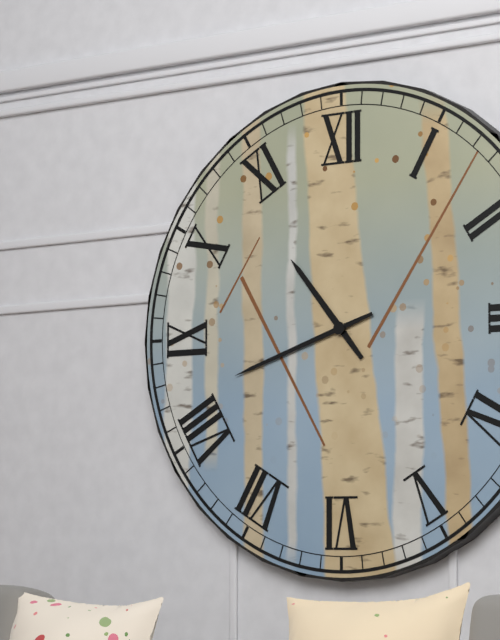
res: 10 h 42 min
